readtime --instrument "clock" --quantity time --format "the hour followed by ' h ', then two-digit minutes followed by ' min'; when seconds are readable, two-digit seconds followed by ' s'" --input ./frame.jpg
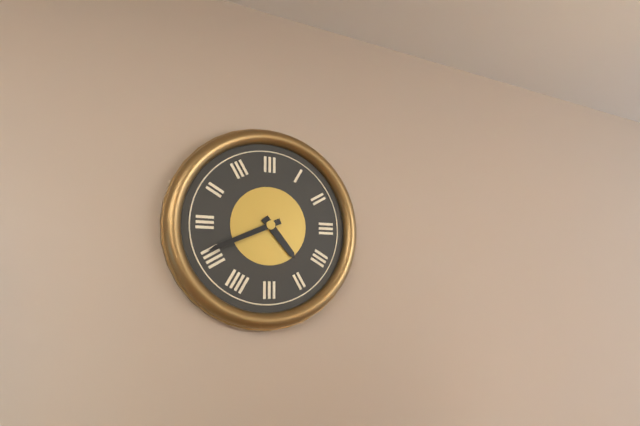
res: 4 h 41 min
